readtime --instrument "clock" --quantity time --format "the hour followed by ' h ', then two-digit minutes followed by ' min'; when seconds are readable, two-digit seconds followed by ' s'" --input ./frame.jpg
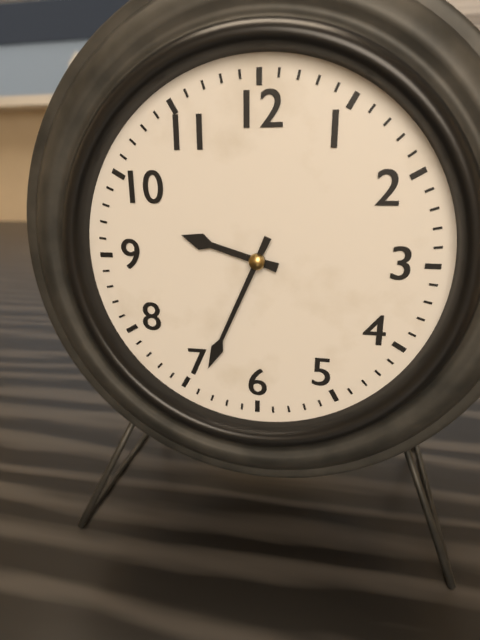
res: 9 h 34 min
